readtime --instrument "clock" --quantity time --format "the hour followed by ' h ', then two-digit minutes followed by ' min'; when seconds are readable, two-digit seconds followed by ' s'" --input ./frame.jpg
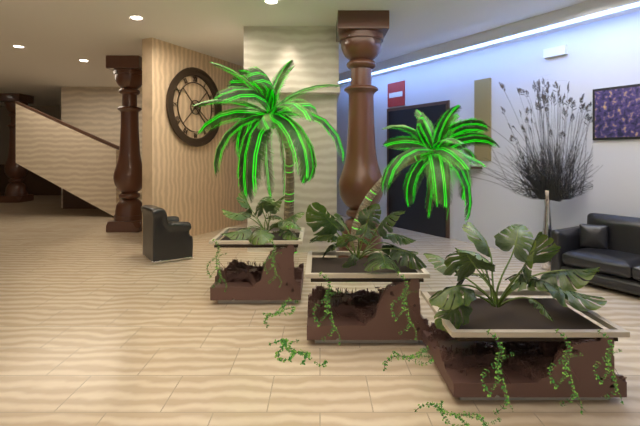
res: 2 h 21 min
